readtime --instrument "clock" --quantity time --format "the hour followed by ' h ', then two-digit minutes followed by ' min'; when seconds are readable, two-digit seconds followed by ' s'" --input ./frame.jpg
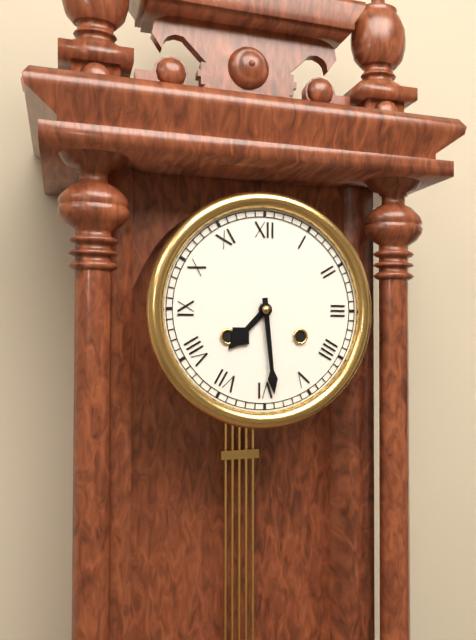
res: 7 h 29 min
